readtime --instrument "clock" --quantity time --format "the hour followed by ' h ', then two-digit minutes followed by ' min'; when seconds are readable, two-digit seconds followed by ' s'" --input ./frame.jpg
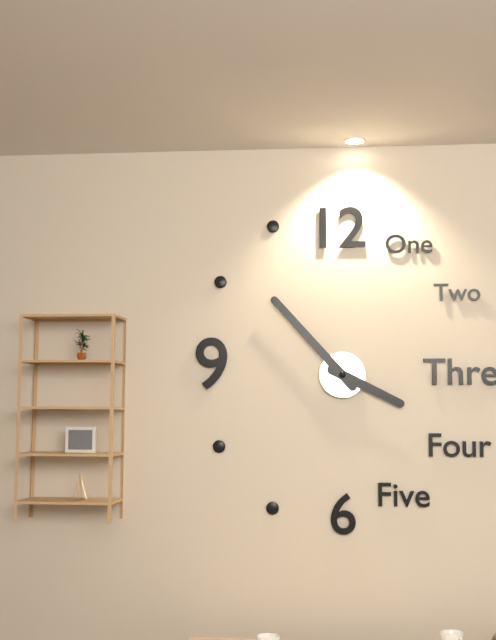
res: 3 h 53 min
